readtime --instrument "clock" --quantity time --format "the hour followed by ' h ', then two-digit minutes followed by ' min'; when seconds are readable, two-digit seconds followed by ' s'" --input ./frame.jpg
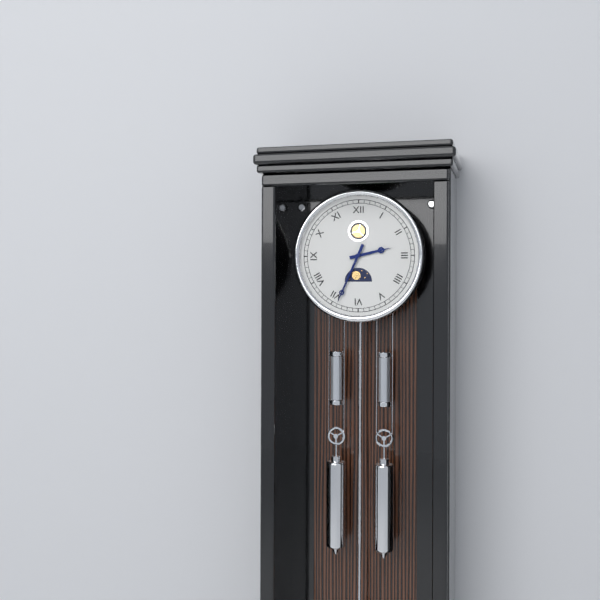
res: 2 h 34 min
